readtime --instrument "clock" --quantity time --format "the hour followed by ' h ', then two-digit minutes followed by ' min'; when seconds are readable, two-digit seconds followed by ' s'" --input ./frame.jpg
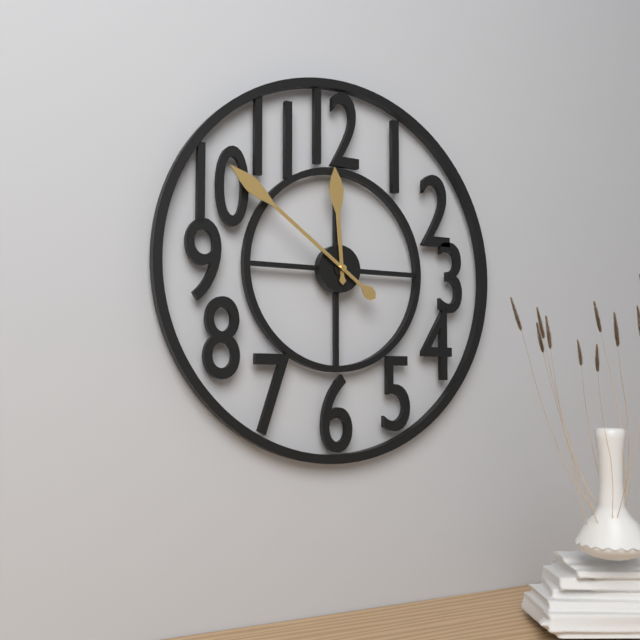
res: 11 h 51 min
